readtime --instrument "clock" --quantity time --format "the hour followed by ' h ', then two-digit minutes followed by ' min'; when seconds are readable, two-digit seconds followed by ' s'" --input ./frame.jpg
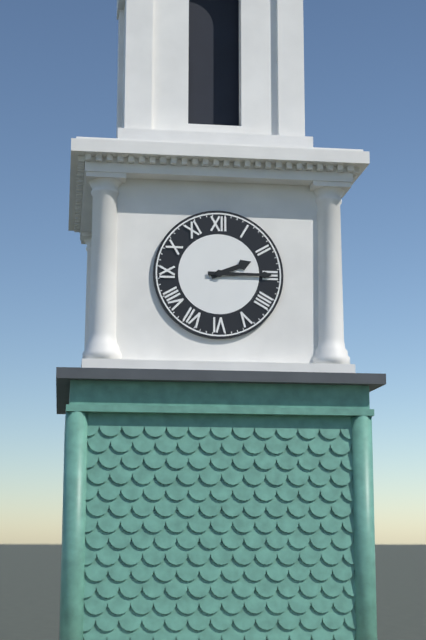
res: 2 h 15 min
